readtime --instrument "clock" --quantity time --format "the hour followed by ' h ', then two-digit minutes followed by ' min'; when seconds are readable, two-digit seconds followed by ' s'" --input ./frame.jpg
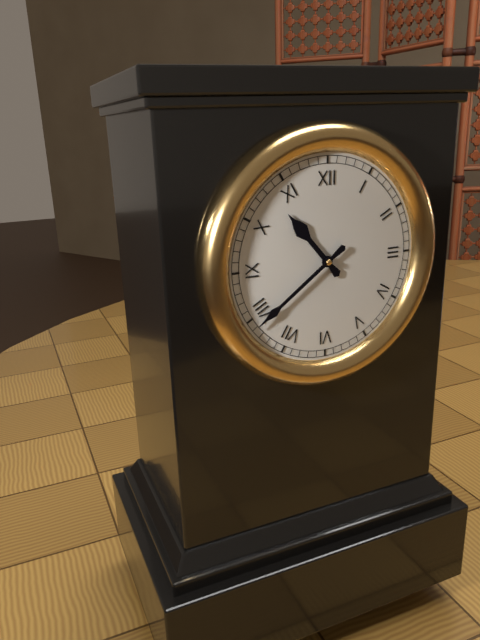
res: 10 h 39 min
